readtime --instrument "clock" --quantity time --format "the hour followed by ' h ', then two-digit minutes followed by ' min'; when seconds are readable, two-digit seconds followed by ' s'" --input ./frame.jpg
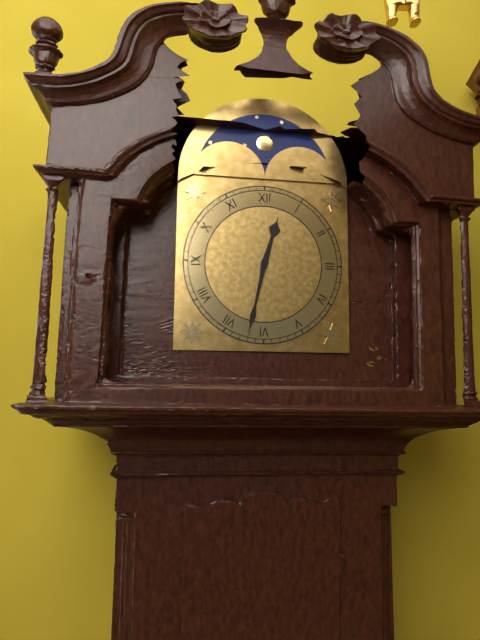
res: 12 h 32 min
